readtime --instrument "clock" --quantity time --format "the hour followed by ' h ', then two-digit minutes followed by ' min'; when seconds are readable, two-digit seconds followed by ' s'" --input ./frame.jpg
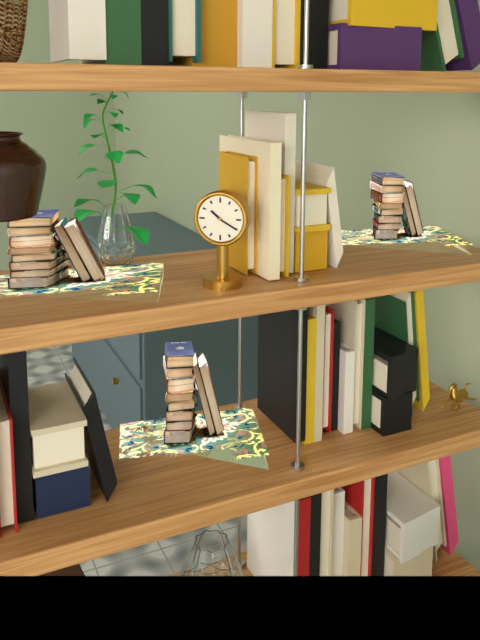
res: 10 h 20 min
